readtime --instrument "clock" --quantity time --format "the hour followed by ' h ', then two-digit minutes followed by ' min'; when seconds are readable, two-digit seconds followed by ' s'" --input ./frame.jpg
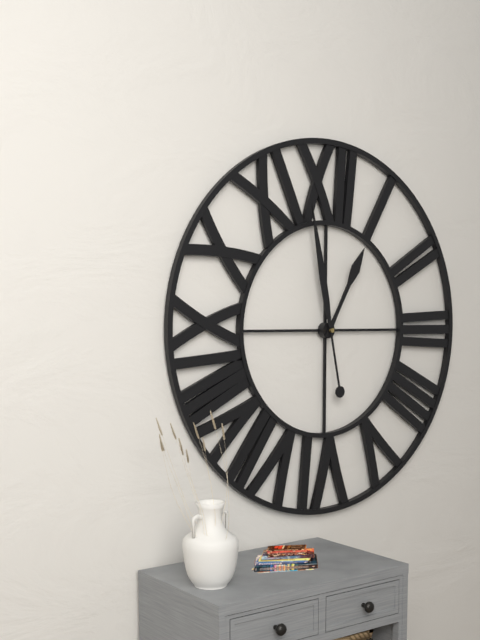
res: 12 h 58 min
